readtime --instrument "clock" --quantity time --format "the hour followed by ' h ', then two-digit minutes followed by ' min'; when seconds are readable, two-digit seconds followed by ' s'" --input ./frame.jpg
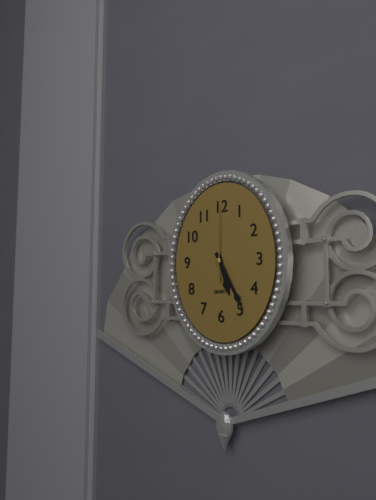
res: 5 h 25 min 00 s
